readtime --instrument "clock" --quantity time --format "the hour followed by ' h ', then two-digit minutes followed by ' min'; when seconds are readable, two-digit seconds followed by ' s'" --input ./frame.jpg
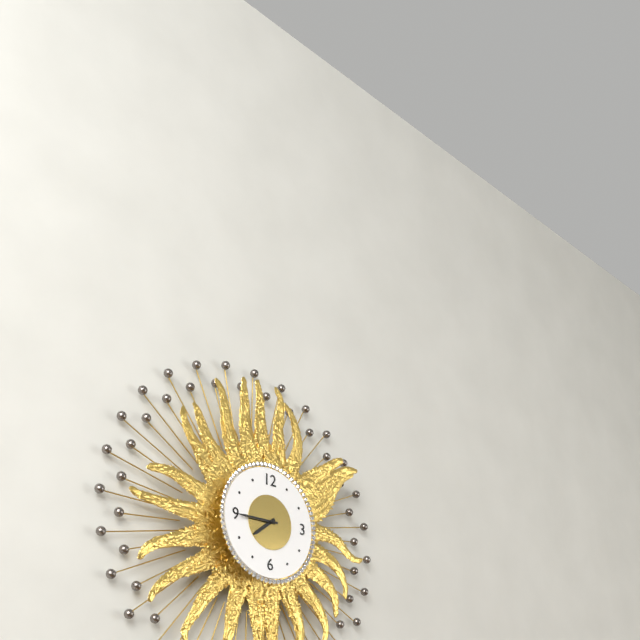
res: 7 h 45 min
